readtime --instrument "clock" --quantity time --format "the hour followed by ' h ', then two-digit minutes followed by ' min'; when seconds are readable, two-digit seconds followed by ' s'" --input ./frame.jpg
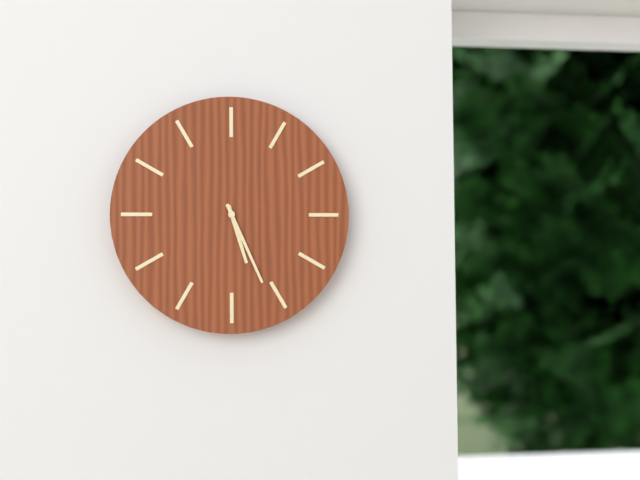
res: 5 h 26 min
